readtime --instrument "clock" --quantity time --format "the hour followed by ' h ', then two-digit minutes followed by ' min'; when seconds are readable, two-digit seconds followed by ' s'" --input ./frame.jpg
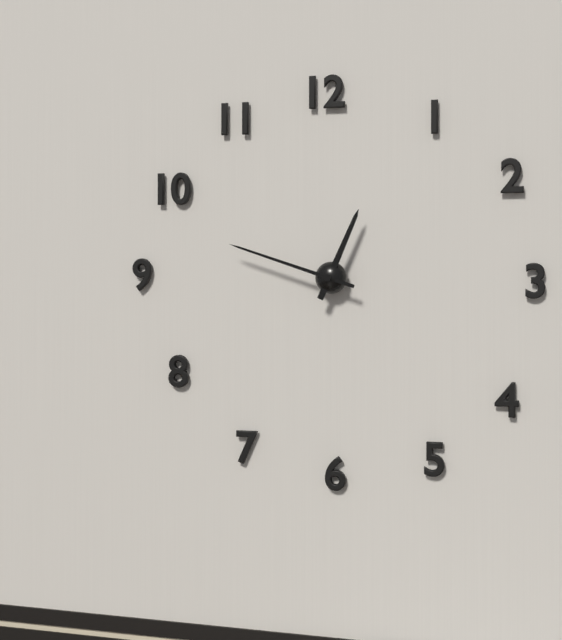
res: 12 h 48 min
